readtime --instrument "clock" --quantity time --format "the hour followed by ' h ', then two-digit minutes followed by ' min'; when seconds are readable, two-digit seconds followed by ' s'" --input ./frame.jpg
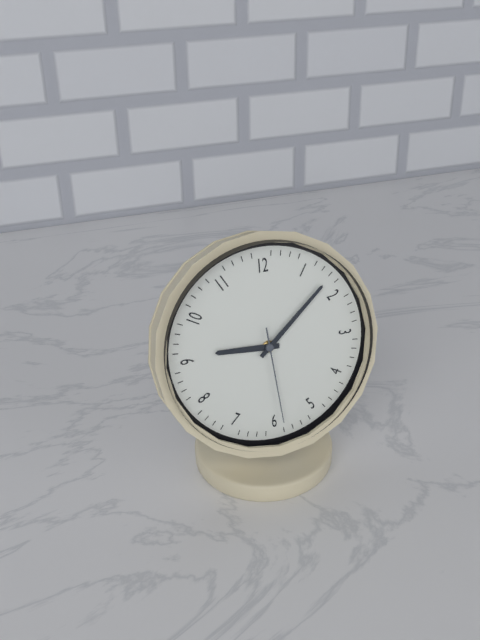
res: 9 h 08 min 29 s
